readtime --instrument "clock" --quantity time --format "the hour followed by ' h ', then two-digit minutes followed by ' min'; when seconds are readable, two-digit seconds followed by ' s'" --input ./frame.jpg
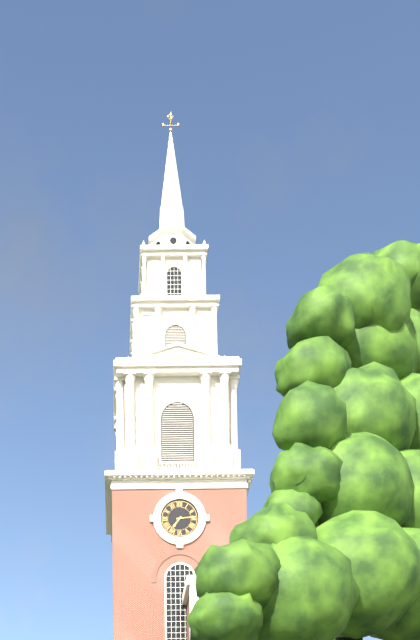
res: 7 h 14 min
